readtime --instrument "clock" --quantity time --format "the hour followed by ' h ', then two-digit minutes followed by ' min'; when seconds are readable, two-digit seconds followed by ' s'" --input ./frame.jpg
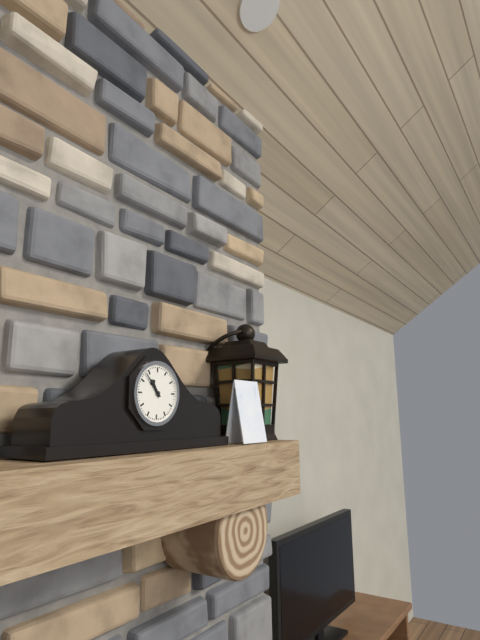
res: 10 h 53 min
